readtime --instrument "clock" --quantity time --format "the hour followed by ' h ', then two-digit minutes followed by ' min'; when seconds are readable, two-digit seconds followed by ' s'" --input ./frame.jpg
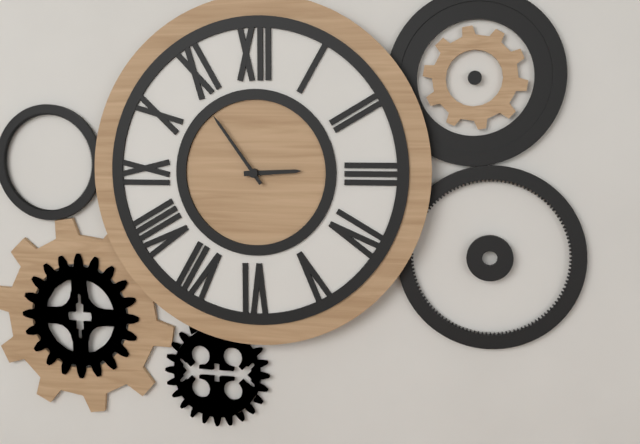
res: 2 h 54 min
